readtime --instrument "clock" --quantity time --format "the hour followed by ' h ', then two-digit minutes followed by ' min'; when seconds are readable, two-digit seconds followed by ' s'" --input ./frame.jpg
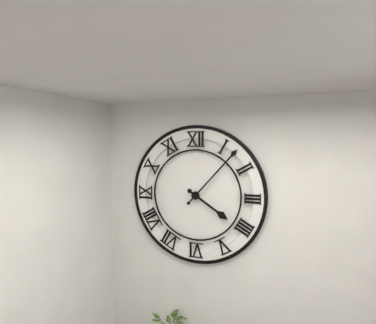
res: 4 h 07 min
